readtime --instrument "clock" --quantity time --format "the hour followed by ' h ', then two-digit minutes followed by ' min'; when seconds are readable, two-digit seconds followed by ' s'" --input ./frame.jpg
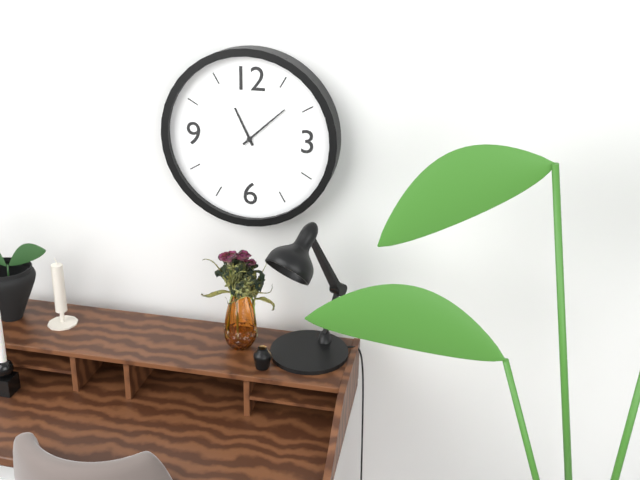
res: 11 h 08 min
